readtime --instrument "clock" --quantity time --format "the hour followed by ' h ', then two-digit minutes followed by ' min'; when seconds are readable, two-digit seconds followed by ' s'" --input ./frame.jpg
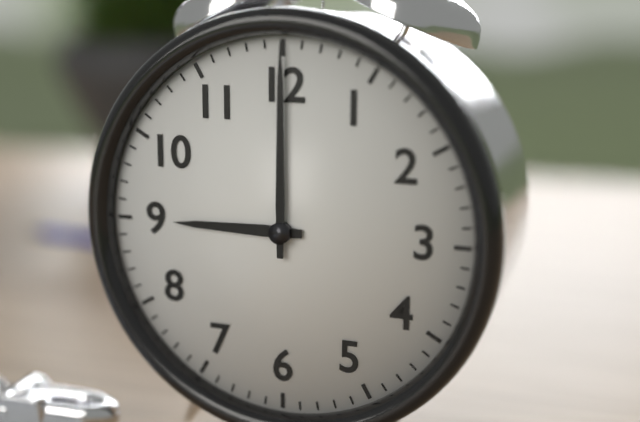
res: 9 h 00 min
